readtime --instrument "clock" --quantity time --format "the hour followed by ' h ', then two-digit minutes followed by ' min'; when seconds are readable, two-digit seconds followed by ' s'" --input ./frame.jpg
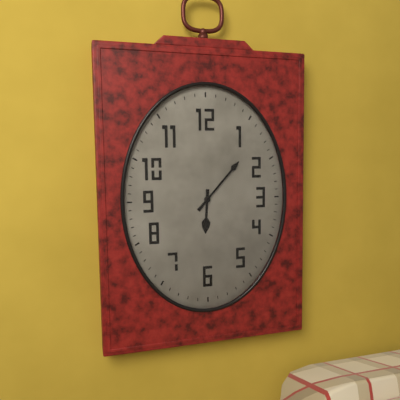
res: 6 h 07 min
